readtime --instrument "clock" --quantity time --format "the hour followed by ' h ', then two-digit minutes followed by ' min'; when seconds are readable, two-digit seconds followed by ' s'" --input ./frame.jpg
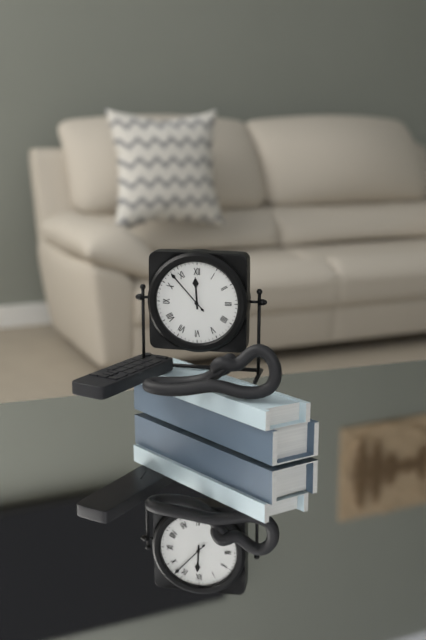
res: 11 h 53 min
